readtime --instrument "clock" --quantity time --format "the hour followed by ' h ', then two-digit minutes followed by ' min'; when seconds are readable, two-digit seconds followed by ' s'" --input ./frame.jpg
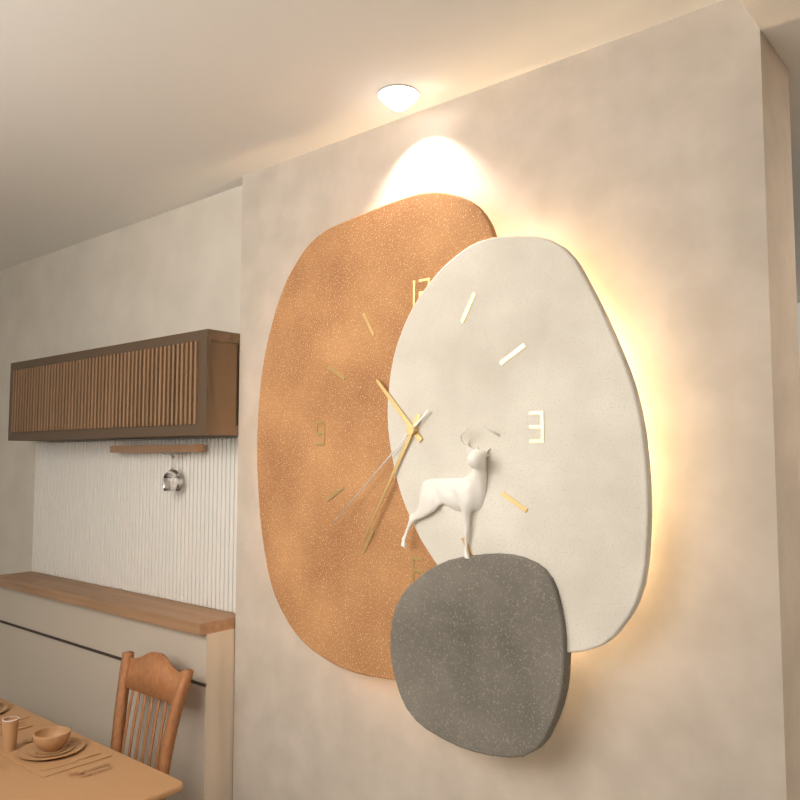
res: 10 h 35 min 38 s
